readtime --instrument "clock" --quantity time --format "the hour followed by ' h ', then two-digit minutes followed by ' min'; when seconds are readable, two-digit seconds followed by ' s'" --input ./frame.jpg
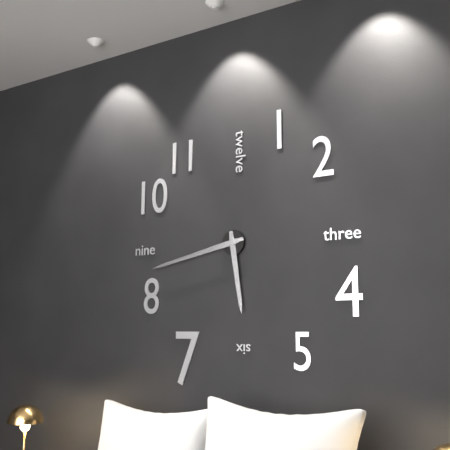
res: 5 h 43 min
